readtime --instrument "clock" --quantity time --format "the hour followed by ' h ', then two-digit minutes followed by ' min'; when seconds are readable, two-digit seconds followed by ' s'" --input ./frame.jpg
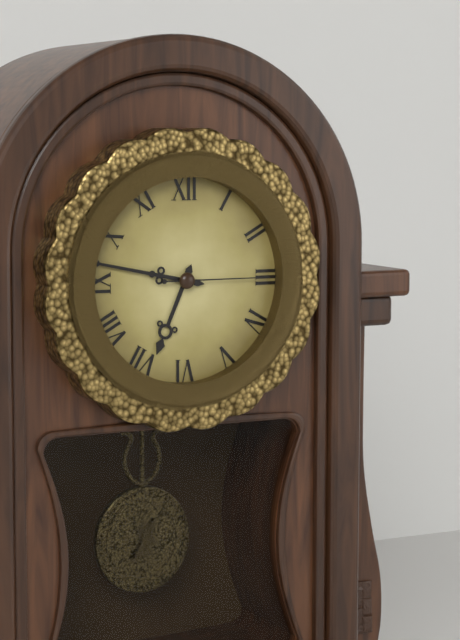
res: 6 h 47 min 15 s
